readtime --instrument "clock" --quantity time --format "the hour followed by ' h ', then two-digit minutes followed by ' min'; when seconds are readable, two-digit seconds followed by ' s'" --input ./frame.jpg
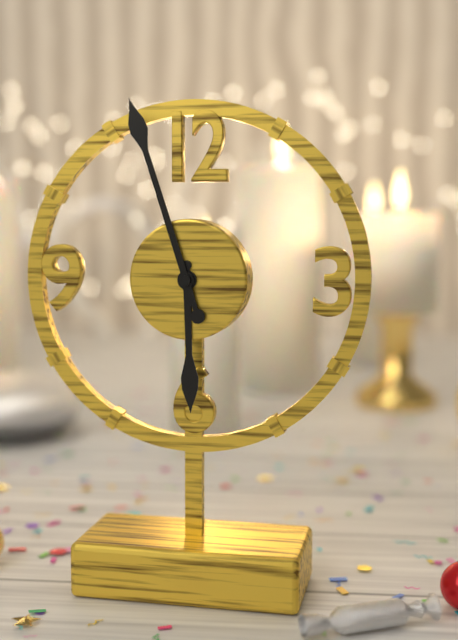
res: 5 h 57 min
